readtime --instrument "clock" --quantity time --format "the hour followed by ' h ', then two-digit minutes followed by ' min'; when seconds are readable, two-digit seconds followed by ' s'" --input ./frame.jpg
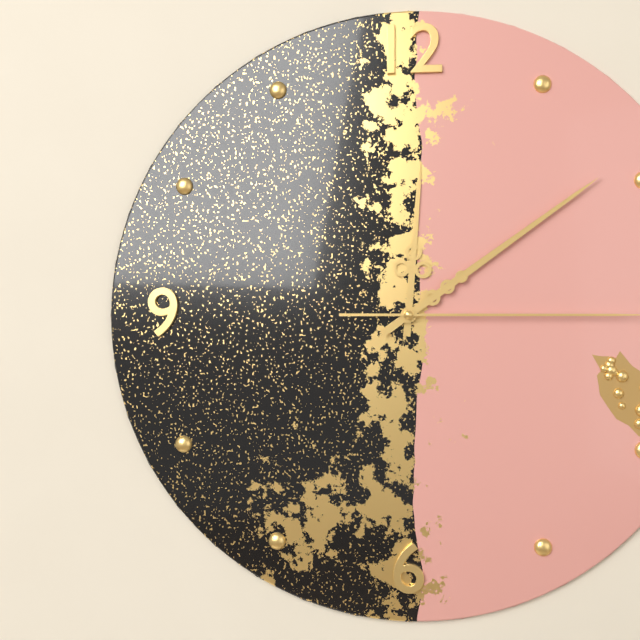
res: 12 h 09 min
